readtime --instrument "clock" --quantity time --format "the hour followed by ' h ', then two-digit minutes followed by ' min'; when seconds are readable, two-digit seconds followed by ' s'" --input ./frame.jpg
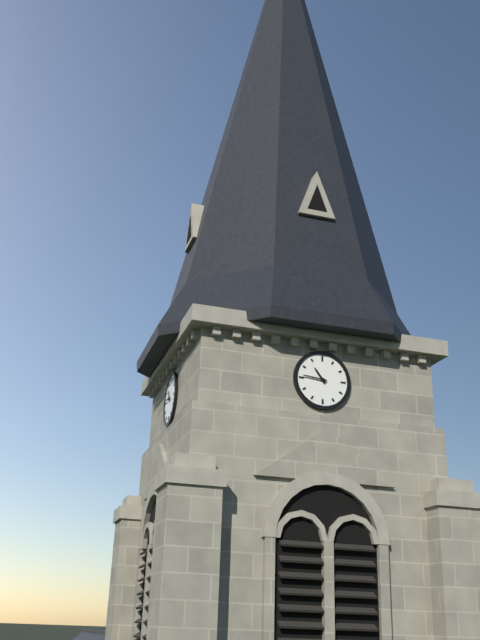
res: 10 h 46 min
